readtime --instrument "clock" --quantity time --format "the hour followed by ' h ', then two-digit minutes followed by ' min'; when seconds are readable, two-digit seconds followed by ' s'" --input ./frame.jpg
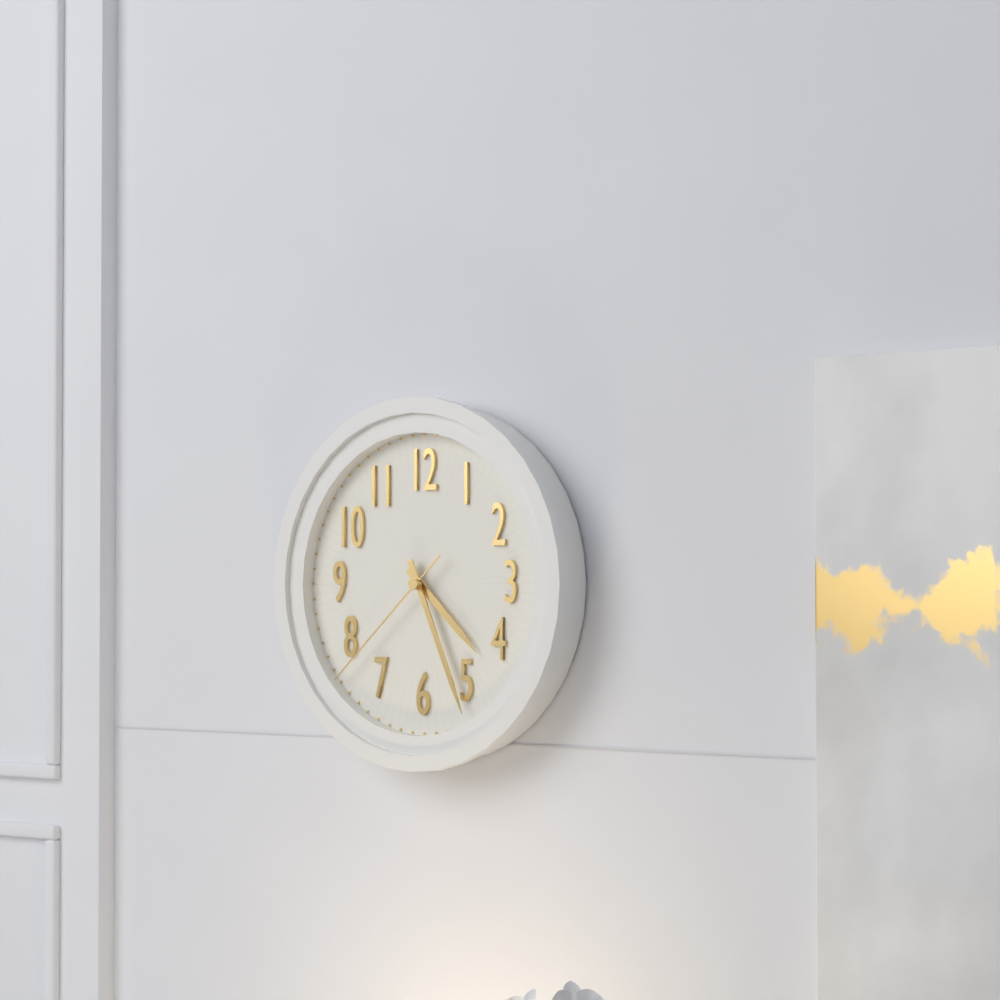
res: 4 h 26 min 38 s
